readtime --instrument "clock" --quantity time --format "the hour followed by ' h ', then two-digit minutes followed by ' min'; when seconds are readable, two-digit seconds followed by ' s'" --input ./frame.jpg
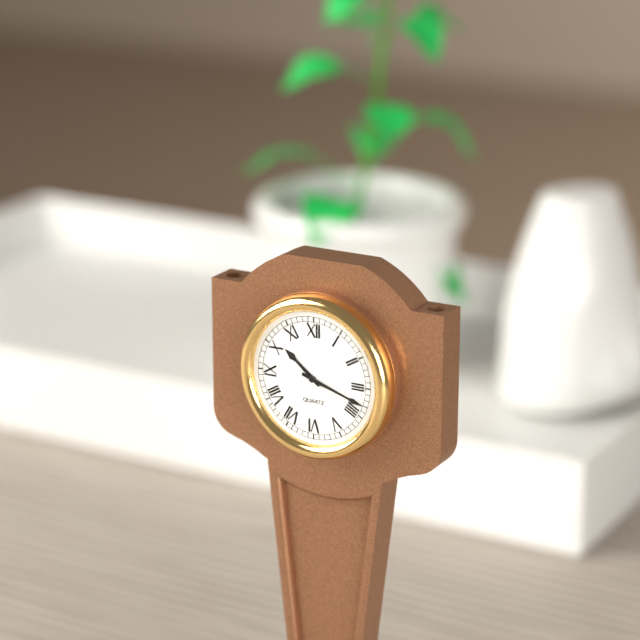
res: 10 h 18 min
